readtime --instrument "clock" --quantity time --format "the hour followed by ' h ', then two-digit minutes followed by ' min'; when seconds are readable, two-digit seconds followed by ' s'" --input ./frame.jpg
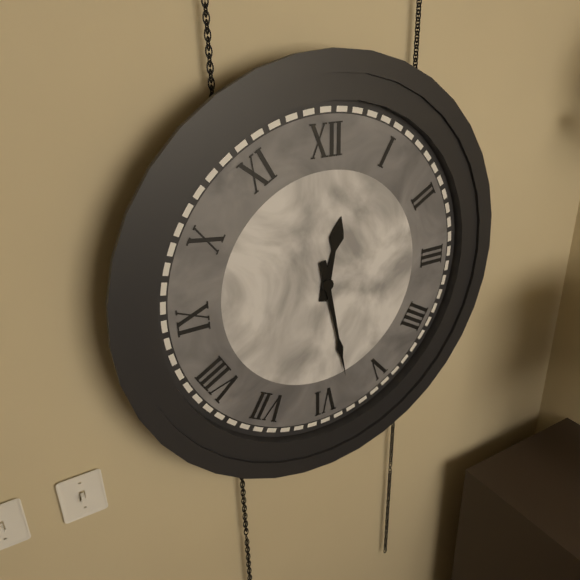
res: 12 h 28 min
